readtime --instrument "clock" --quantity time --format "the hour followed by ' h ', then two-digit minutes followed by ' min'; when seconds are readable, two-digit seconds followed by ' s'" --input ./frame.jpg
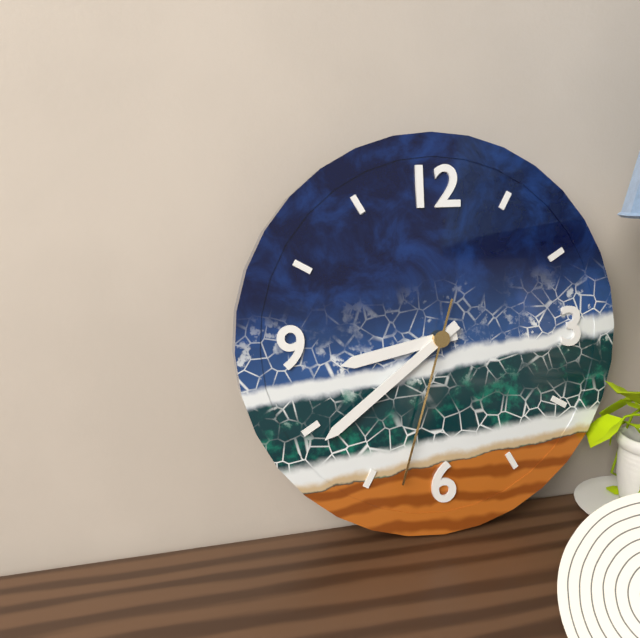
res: 8 h 39 min 33 s
